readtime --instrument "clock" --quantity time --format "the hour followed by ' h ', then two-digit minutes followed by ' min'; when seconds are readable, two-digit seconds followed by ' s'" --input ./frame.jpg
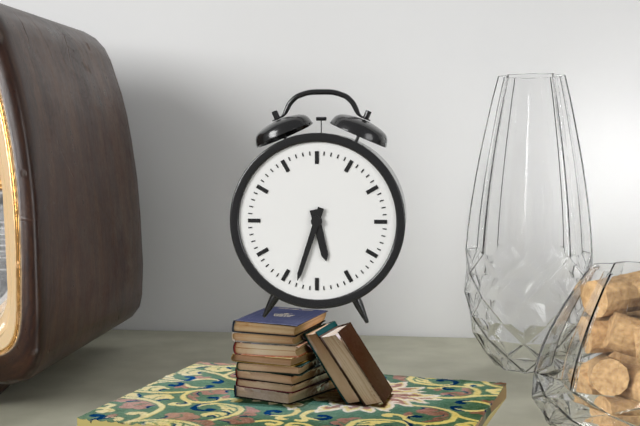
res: 5 h 33 min
